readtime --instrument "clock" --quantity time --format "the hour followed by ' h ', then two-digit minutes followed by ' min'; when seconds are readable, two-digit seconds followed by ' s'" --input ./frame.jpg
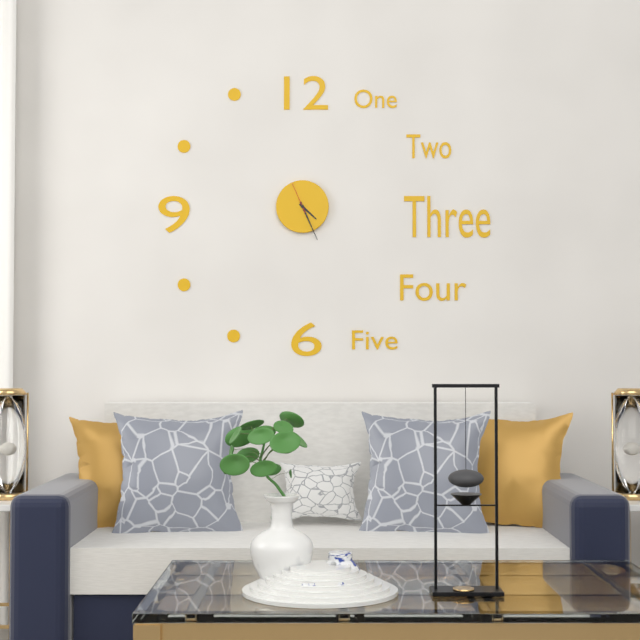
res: 4 h 26 min
